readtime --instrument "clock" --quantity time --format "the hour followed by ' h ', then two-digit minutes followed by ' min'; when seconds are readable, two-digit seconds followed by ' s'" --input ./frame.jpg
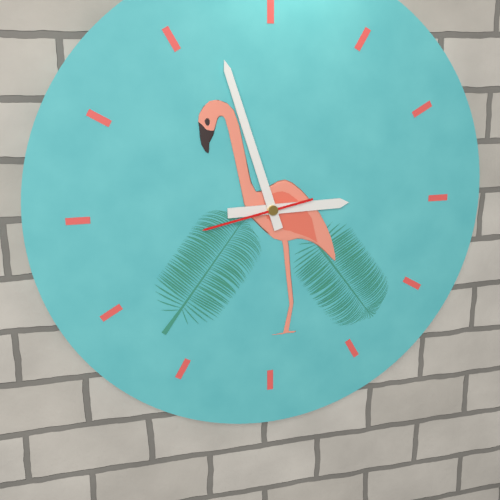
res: 2 h 57 min 43 s
